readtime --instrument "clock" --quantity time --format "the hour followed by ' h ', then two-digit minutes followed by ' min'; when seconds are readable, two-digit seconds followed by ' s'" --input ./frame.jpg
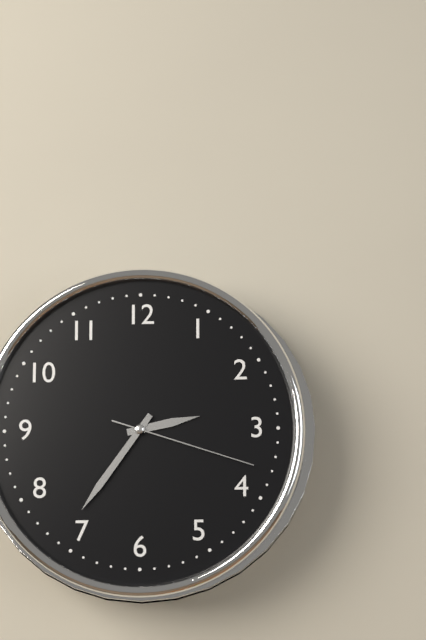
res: 2 h 36 min 18 s
